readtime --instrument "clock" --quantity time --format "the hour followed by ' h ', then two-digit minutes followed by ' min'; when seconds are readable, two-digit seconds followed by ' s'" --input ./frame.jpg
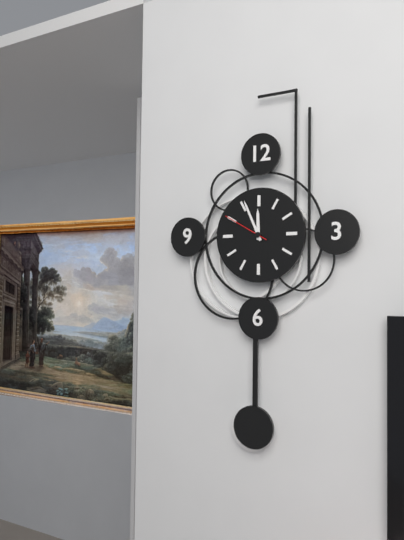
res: 11 h 56 min 50 s
